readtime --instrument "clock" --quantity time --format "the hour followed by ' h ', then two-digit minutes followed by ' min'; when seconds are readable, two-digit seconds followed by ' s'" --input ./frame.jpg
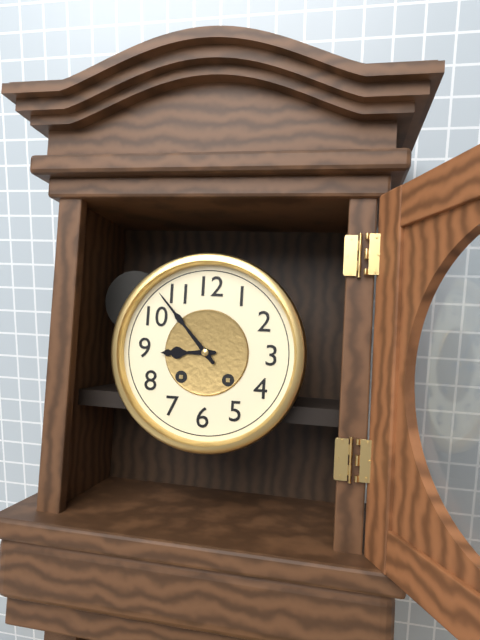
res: 8 h 53 min
